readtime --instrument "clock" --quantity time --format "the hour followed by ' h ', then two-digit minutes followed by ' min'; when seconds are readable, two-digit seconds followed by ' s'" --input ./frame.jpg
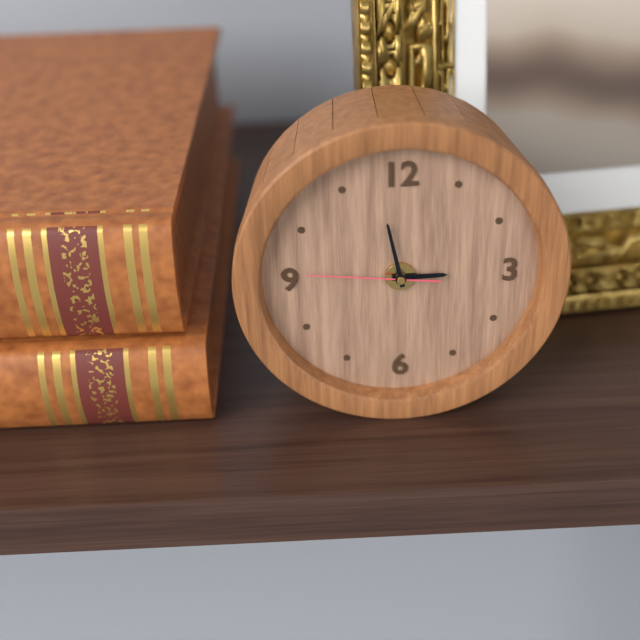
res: 2 h 58 min 46 s
